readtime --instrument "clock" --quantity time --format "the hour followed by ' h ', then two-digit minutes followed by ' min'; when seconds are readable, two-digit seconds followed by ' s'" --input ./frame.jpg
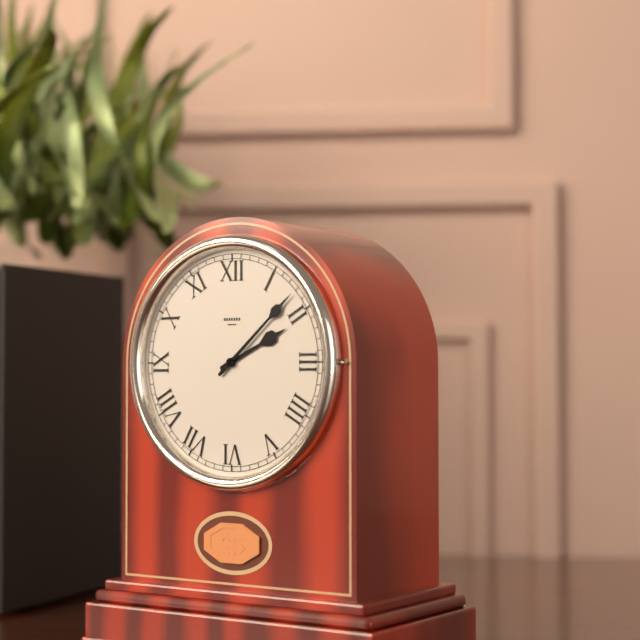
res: 2 h 08 min
